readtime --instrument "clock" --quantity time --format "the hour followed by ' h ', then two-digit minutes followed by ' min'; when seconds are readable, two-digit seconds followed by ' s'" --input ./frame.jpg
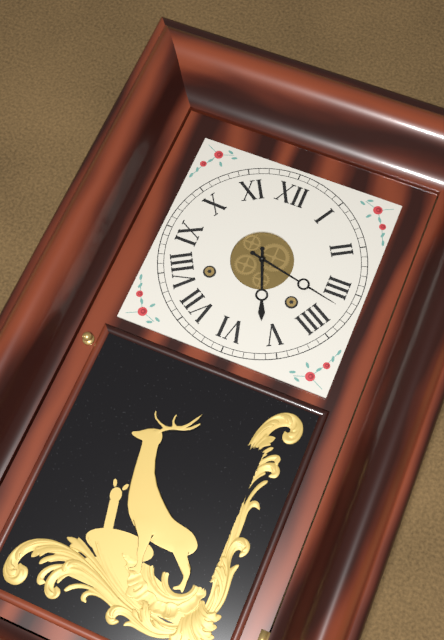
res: 5 h 17 min
